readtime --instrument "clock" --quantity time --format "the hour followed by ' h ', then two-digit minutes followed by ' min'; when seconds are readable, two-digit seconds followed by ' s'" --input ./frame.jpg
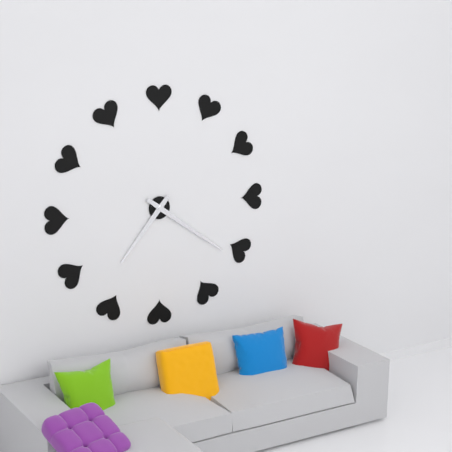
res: 7 h 21 min
